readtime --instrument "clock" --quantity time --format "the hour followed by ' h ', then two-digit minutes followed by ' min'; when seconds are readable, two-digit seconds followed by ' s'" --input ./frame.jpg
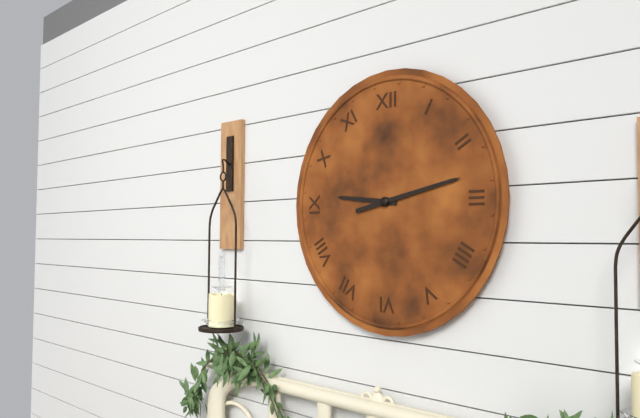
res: 9 h 13 min
